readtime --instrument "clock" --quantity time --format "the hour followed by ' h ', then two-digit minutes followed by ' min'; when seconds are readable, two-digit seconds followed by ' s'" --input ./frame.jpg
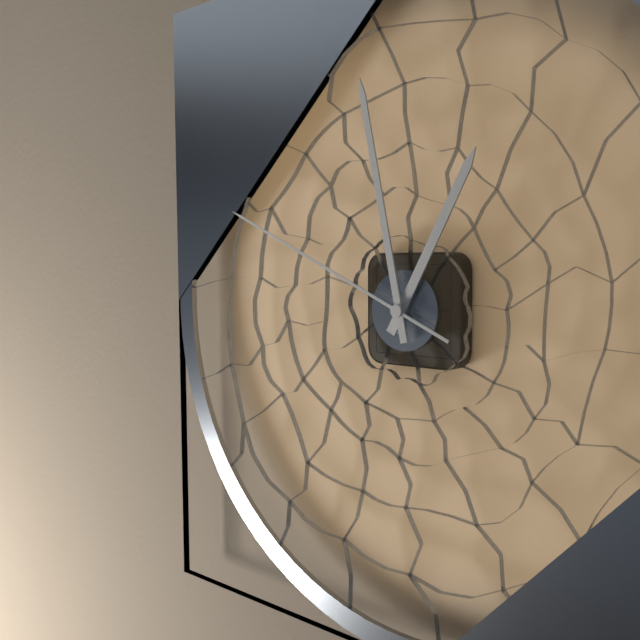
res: 12 h 58 min 49 s
